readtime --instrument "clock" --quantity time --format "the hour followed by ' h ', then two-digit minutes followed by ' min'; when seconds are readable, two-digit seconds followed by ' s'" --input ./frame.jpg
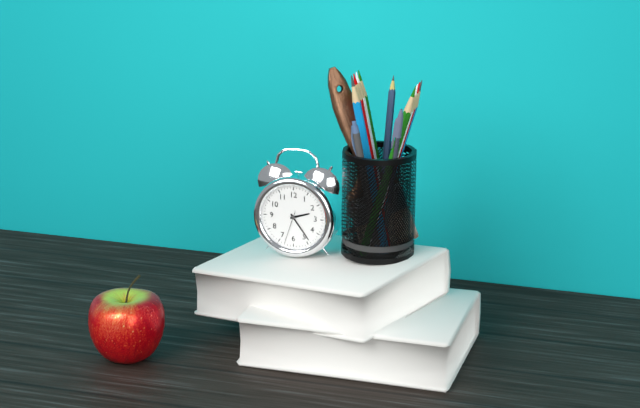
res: 2 h 24 min
